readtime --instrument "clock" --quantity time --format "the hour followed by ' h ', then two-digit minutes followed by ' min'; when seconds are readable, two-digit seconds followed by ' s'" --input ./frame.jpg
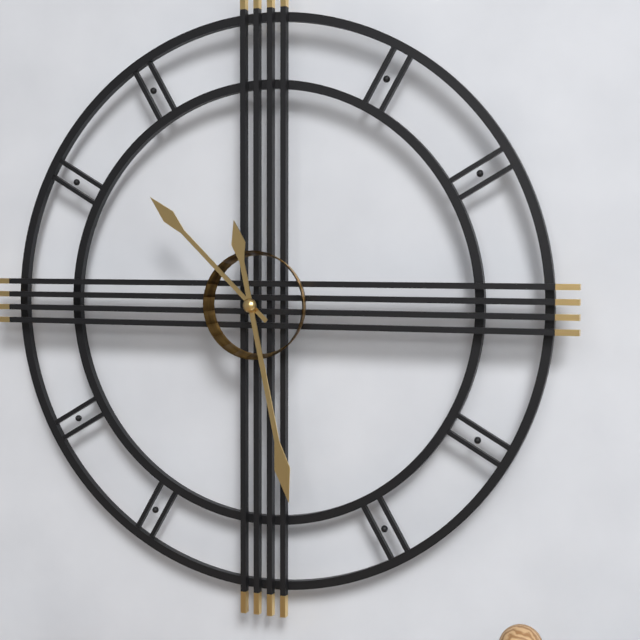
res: 10 h 28 min
